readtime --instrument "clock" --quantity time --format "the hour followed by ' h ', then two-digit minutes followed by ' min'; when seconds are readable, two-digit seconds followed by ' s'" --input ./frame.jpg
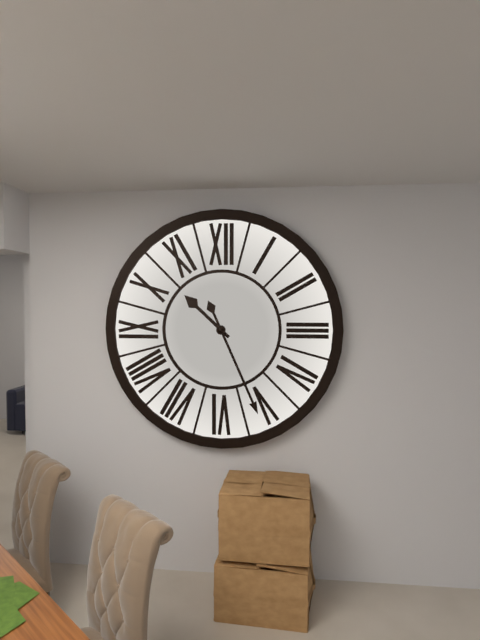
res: 10 h 26 min
